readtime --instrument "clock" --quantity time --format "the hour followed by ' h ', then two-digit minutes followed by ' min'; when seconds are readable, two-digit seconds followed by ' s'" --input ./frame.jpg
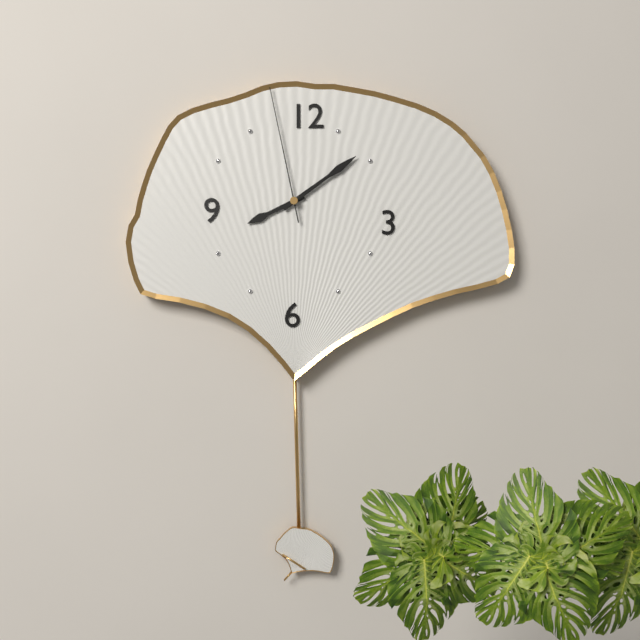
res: 8 h 09 min 58 s
